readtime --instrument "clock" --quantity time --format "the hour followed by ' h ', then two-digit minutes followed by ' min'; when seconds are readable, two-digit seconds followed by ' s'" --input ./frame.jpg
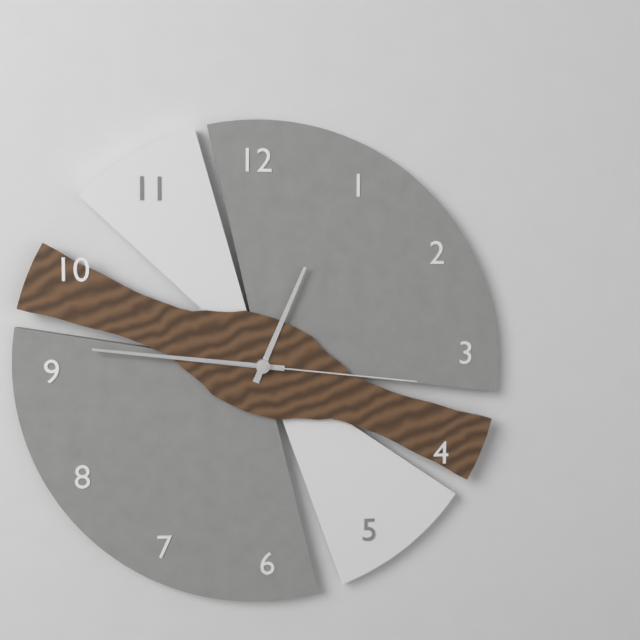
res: 12 h 46 min 16 s
